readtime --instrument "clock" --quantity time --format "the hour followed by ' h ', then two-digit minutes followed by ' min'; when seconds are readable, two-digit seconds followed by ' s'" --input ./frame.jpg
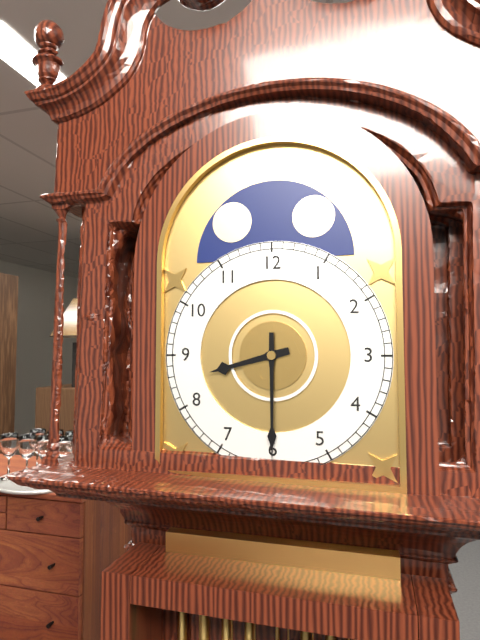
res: 8 h 30 min
